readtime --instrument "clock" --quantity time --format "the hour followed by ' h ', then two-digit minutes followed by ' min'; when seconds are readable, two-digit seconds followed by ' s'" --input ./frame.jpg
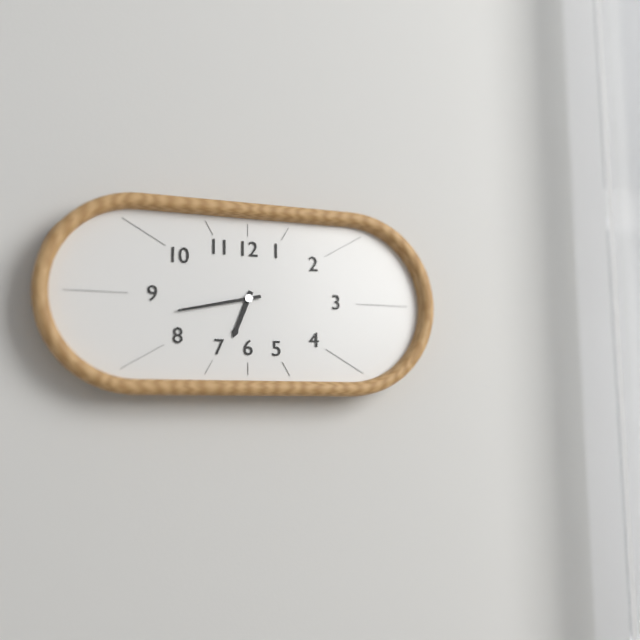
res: 6 h 43 min
